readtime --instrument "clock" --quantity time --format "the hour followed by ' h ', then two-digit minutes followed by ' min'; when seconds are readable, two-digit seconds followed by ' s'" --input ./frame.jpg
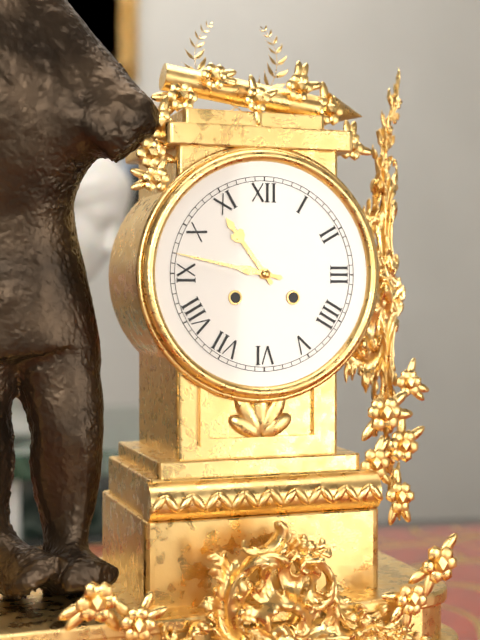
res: 10 h 47 min
